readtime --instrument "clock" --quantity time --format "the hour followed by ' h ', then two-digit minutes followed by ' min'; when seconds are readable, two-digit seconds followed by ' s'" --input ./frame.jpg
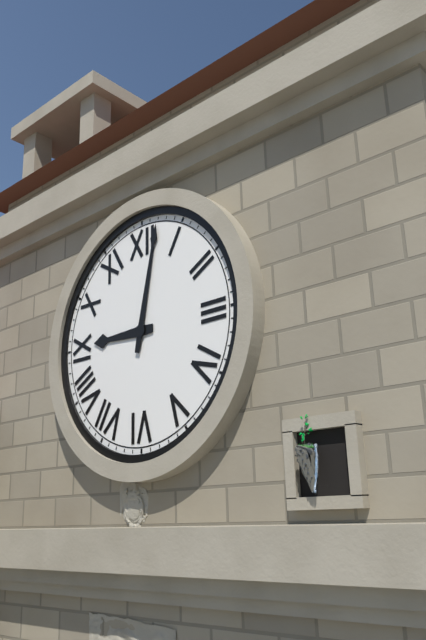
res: 9 h 02 min
